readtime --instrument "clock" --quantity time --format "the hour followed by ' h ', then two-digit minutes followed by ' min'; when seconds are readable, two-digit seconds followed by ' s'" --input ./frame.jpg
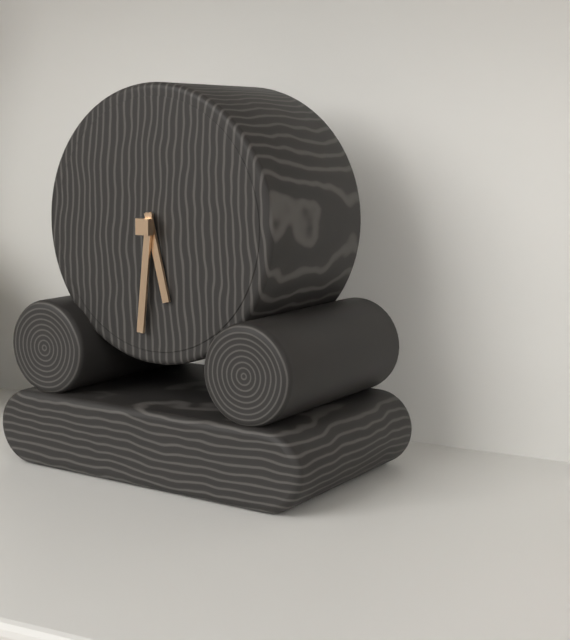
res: 5 h 31 min
